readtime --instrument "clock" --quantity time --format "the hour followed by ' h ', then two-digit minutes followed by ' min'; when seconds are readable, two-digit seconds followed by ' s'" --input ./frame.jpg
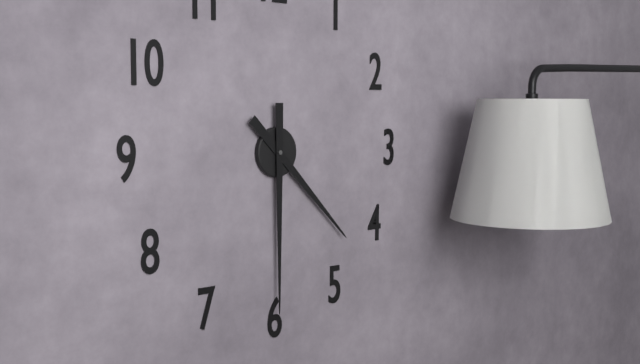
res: 4 h 30 min
